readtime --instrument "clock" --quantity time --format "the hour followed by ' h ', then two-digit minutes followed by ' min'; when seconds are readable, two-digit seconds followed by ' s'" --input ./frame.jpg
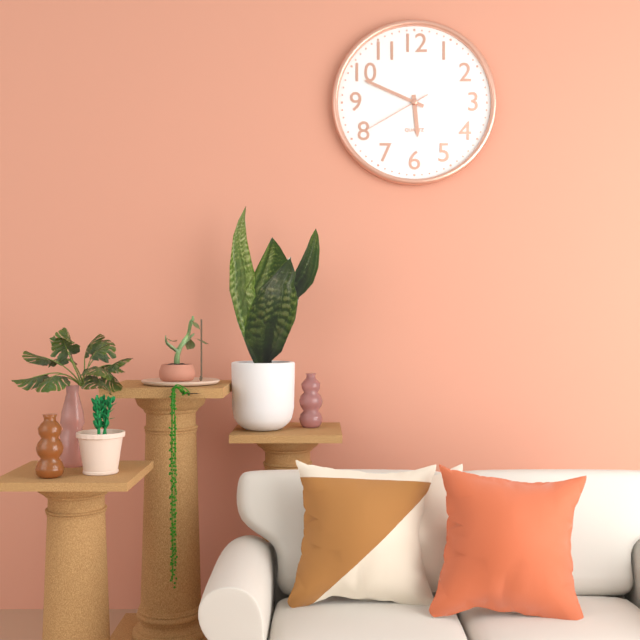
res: 5 h 49 min 40 s
